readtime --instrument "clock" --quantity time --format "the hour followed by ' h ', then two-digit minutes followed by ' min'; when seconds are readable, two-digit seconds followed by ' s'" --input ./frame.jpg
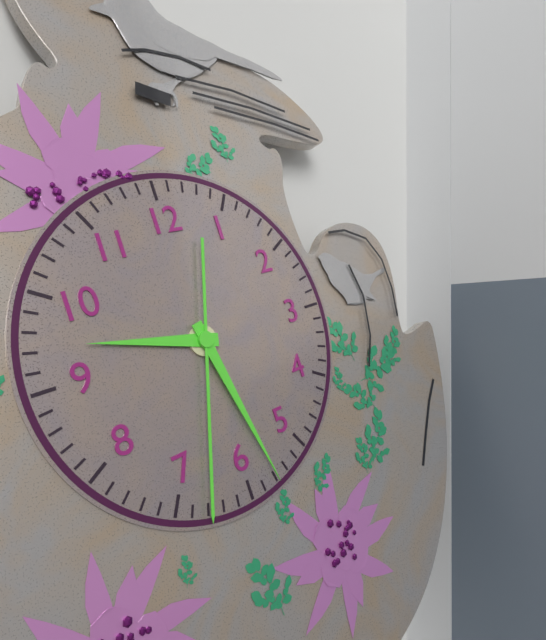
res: 9 h 28 min 33 s
